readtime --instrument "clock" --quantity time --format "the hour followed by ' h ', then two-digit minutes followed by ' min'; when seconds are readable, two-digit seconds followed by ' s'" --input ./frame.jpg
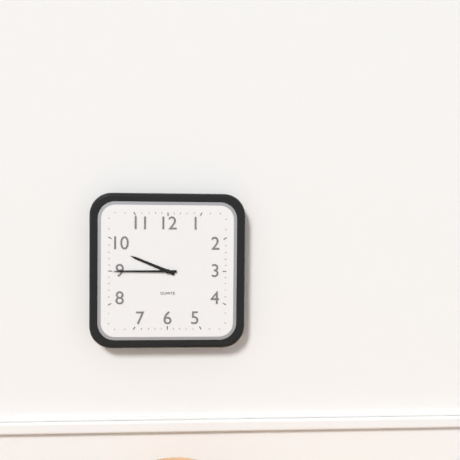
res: 9 h 45 min
